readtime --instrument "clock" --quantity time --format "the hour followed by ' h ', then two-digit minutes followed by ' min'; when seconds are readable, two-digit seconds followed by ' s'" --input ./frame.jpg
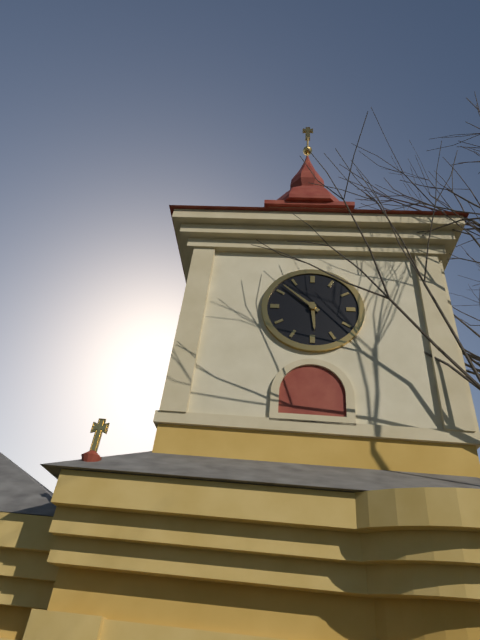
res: 5 h 52 min
